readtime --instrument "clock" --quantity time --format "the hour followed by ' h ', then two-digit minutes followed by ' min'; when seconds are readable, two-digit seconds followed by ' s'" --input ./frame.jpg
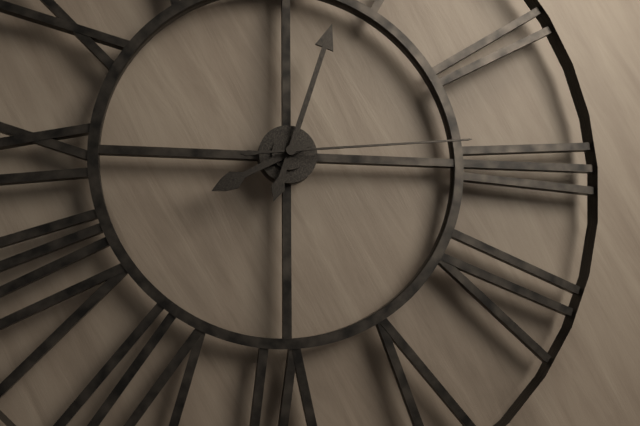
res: 8 h 03 min 14 s
